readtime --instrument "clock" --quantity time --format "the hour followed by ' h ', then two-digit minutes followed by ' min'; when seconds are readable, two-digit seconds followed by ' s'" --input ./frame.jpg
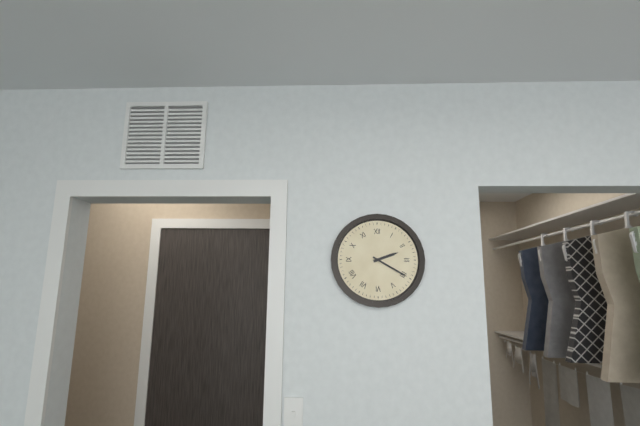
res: 2 h 20 min
